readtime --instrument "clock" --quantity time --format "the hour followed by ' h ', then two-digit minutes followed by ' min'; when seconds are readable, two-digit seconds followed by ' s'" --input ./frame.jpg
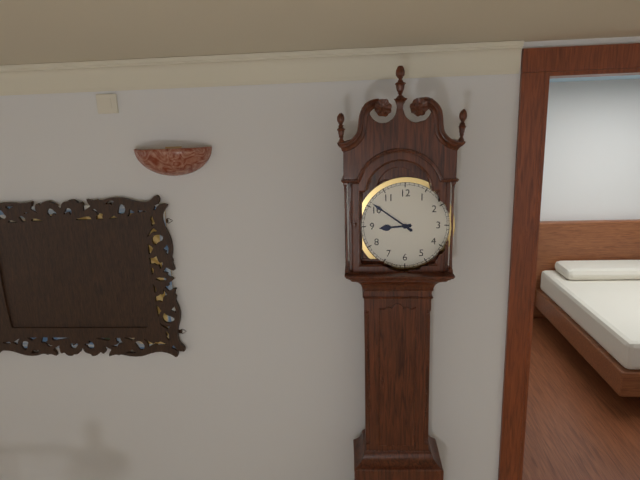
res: 8 h 51 min
